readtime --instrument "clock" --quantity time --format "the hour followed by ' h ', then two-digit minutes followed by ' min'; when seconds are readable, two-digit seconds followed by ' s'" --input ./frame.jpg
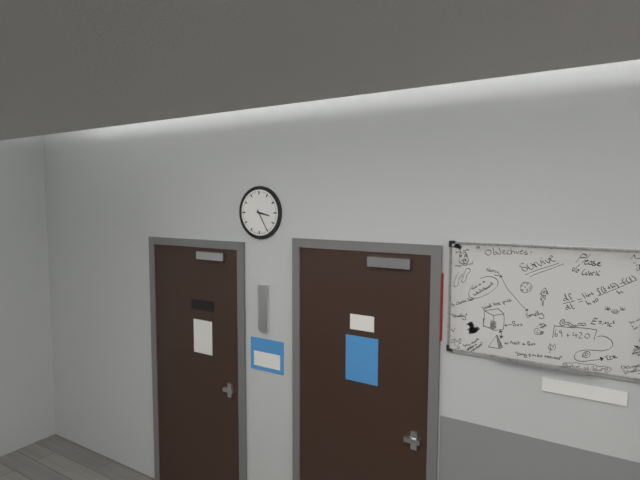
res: 3 h 25 min
